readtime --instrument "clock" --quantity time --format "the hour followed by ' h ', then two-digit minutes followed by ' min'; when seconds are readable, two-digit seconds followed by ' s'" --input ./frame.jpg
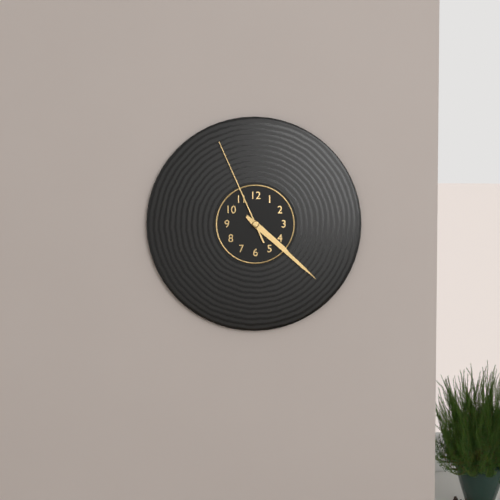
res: 4 h 22 min 56 s
